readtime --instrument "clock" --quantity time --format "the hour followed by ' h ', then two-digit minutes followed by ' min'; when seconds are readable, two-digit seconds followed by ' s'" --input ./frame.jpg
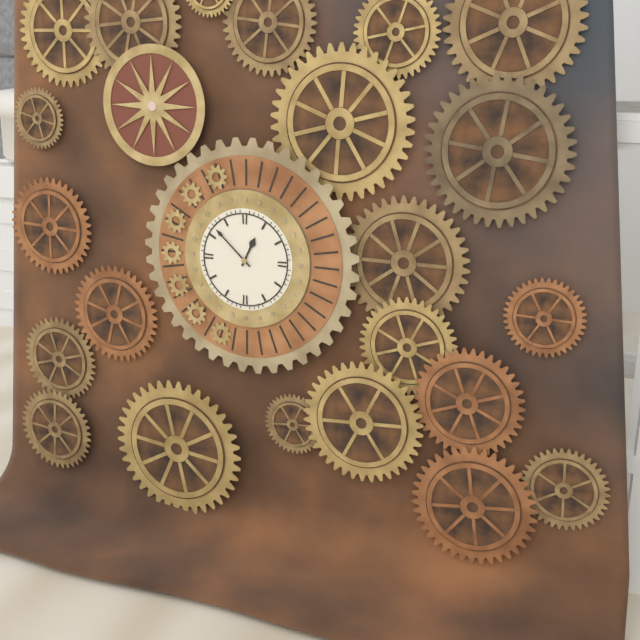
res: 12 h 52 min
